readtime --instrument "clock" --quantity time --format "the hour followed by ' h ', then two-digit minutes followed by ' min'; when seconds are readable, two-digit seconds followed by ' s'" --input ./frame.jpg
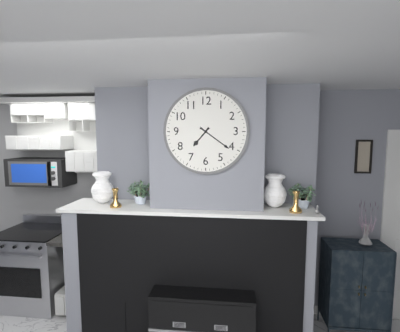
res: 7 h 21 min
